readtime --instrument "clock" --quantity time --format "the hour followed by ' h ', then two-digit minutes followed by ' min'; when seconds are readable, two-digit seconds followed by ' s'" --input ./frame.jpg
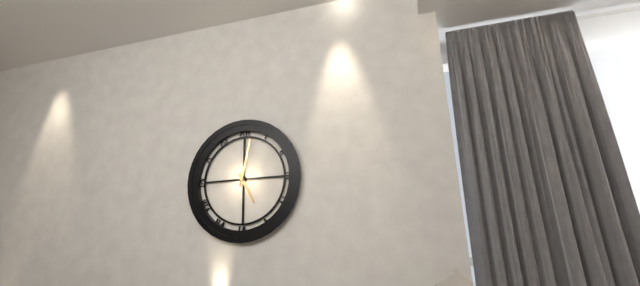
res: 5 h 02 min
